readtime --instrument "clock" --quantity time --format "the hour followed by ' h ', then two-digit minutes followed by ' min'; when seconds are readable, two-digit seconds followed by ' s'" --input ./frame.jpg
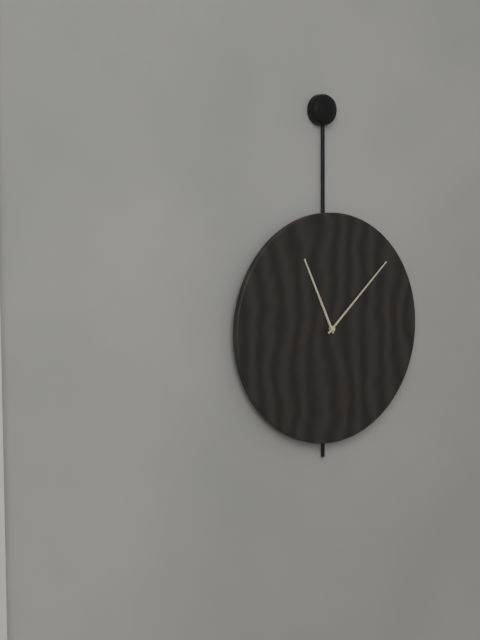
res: 11 h 08 min
